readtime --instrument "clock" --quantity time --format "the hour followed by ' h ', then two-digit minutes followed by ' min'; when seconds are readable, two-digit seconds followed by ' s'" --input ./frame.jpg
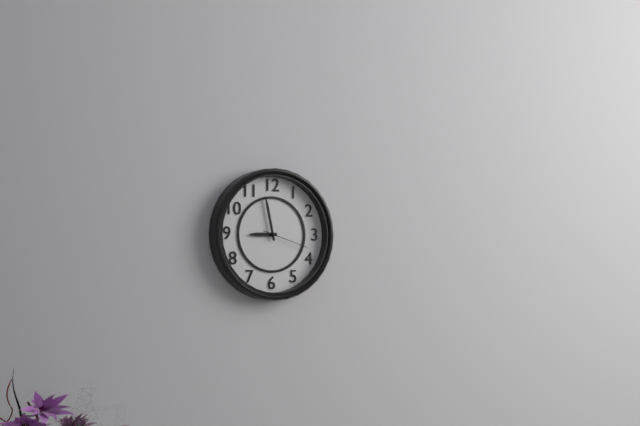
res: 8 h 58 min 18 s
